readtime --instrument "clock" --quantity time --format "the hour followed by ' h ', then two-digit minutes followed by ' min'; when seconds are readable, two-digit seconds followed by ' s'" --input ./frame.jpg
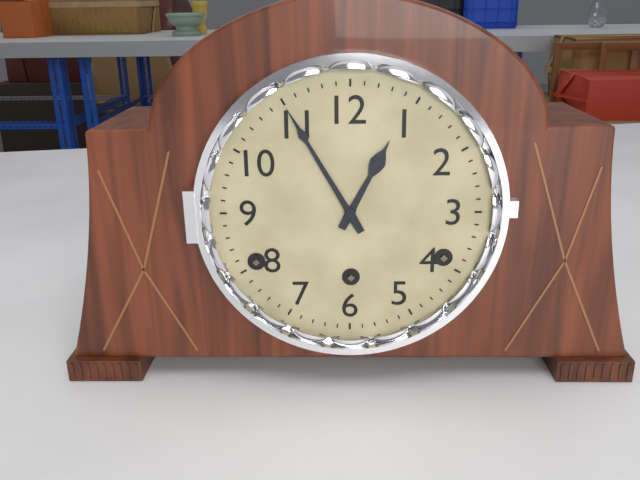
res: 12 h 55 min
